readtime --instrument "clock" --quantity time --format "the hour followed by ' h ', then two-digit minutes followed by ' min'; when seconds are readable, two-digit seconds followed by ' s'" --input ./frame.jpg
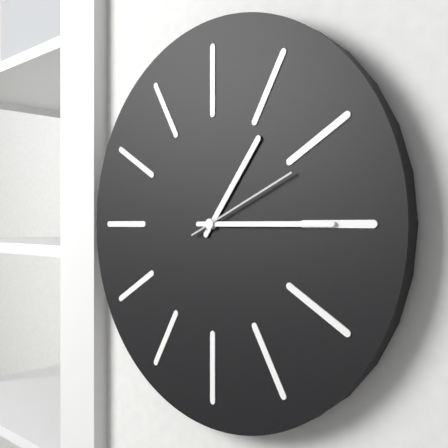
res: 1 h 15 min 11 s
